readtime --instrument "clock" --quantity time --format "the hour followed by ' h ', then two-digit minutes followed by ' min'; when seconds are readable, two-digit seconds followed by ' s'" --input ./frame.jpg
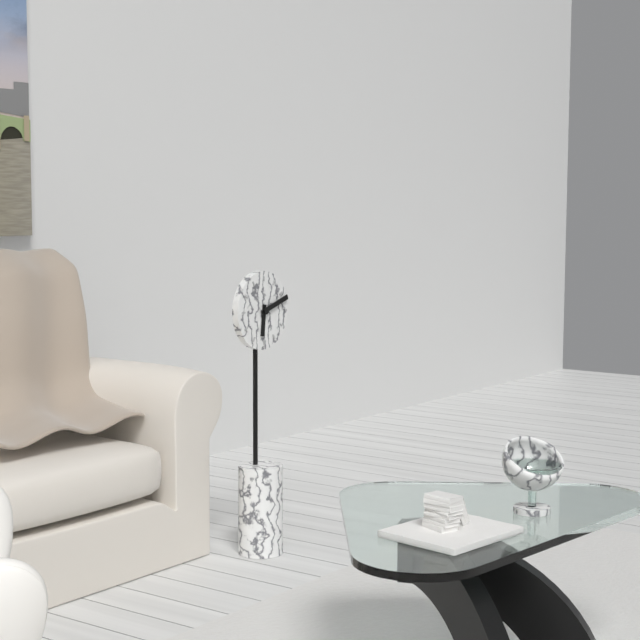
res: 6 h 12 min
